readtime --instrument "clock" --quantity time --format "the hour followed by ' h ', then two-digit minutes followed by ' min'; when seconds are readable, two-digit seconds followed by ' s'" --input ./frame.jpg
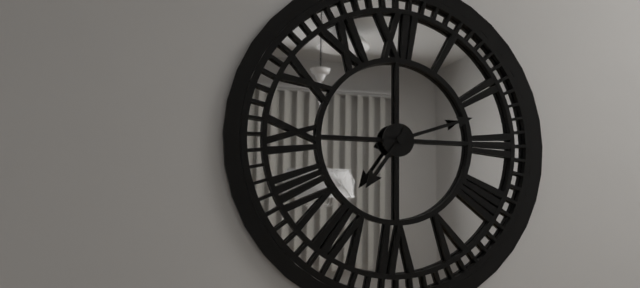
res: 7 h 12 min
